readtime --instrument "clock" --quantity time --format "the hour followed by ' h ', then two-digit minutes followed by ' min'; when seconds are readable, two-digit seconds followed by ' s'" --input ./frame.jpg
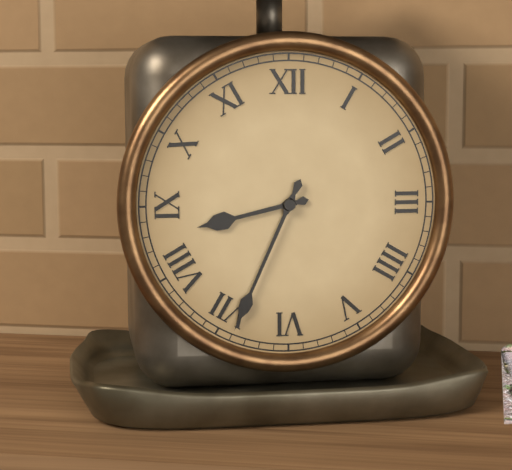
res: 8 h 34 min
